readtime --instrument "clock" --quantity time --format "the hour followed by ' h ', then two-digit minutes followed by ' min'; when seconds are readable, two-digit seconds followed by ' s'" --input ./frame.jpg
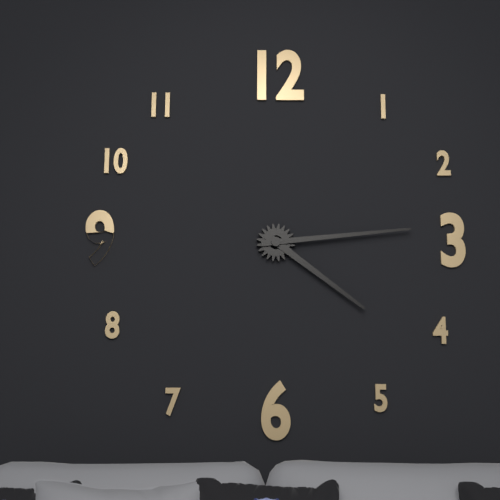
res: 4 h 14 min
